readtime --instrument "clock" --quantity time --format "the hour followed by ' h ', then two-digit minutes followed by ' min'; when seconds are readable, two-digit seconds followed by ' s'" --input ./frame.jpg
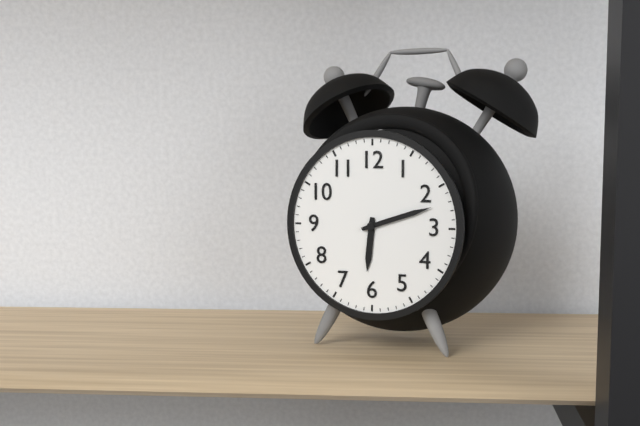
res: 6 h 12 min
